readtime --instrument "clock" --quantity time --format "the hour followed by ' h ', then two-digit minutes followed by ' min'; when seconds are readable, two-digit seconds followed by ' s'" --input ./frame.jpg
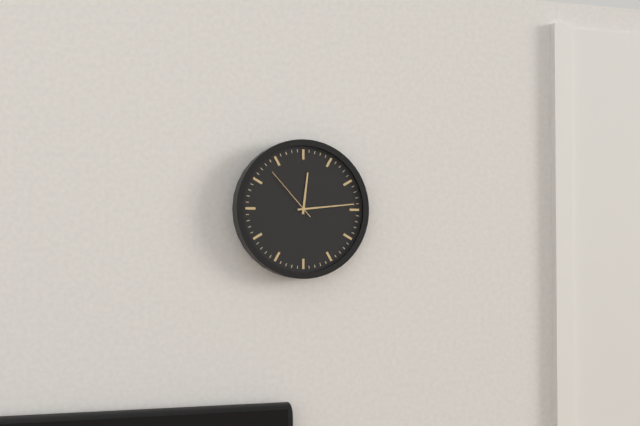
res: 12 h 14 min 53 s
